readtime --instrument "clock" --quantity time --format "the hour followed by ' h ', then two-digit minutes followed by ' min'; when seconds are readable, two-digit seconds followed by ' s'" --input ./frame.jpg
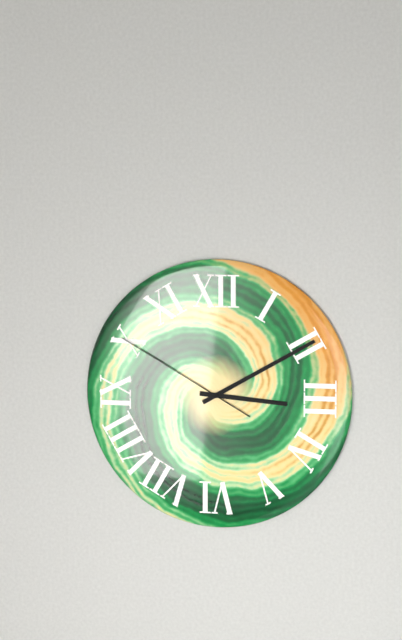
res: 3 h 10 min 50 s
